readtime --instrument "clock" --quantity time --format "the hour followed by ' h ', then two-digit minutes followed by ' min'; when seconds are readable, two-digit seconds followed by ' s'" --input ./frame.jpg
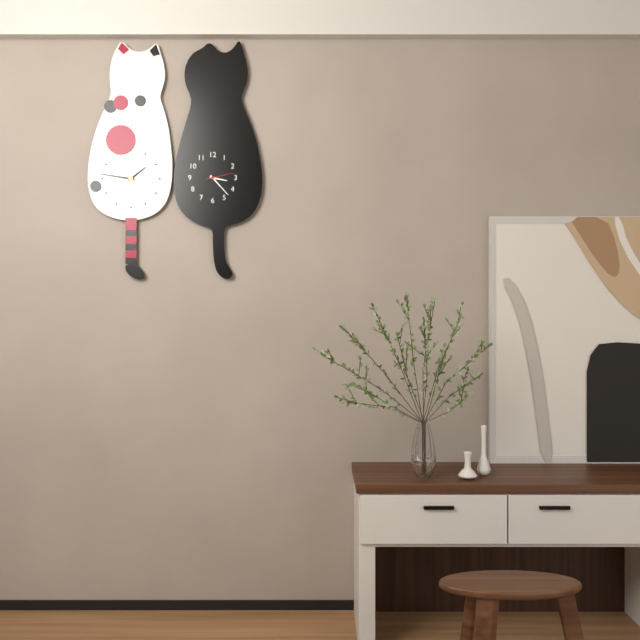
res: 3 h 23 min
